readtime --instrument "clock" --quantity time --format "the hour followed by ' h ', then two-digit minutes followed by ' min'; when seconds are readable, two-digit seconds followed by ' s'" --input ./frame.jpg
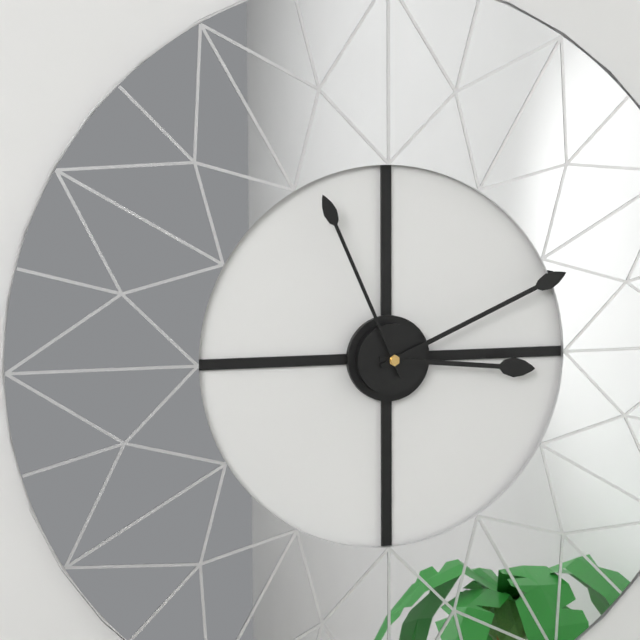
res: 3 h 11 min 56 s
